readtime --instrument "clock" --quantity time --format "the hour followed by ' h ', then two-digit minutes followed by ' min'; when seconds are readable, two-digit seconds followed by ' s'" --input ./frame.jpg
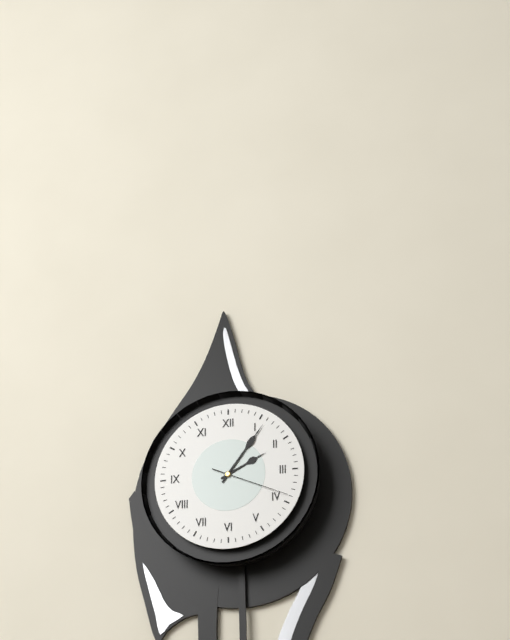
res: 2 h 06 min 19 s
